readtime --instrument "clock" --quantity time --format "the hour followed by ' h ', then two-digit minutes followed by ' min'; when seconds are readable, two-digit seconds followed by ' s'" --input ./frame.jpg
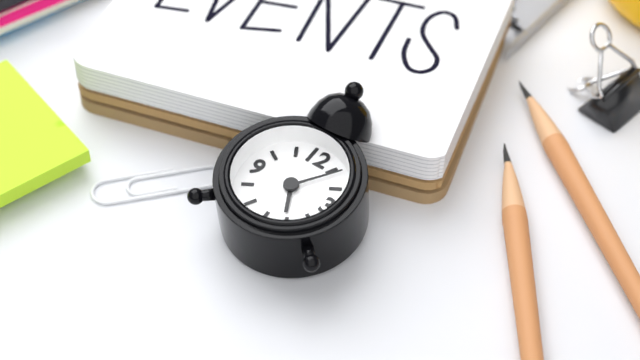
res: 5 h 06 min
